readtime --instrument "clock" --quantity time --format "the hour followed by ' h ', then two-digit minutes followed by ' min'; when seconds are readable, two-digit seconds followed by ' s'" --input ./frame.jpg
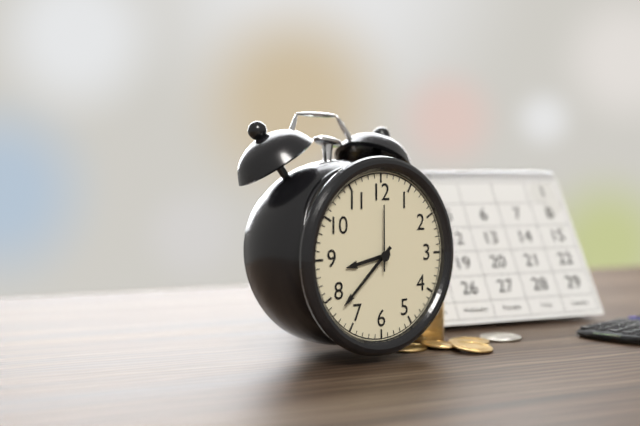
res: 8 h 38 min 00 s
